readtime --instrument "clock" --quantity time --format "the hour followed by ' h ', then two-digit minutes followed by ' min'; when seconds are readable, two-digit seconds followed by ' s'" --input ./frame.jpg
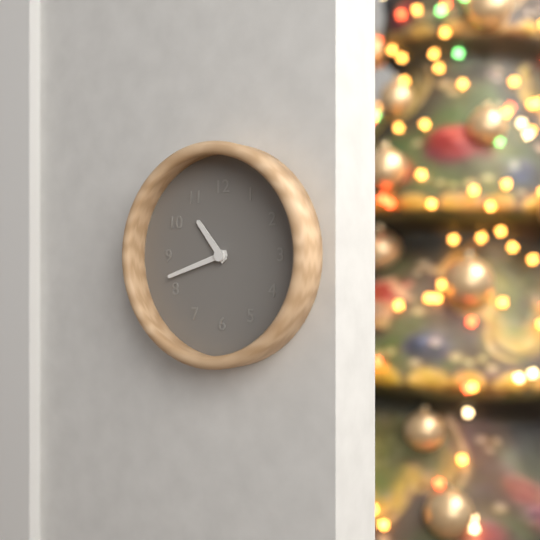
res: 10 h 42 min
